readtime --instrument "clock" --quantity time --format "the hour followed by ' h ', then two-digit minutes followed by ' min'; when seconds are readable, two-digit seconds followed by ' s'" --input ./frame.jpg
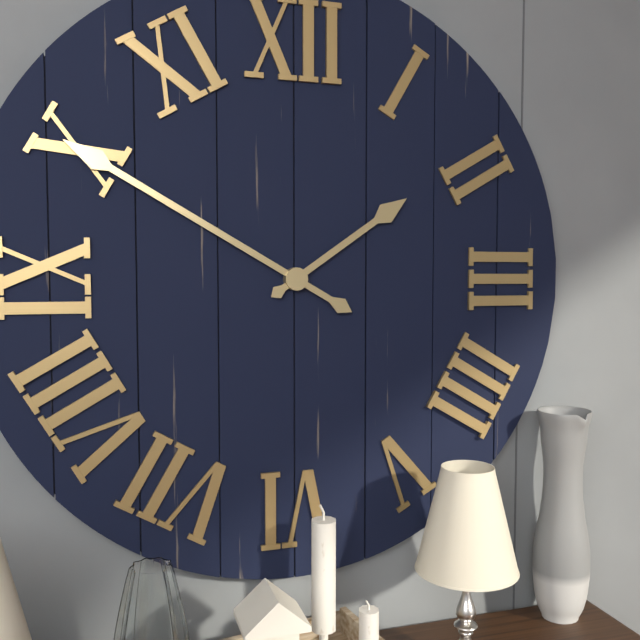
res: 1 h 50 min
